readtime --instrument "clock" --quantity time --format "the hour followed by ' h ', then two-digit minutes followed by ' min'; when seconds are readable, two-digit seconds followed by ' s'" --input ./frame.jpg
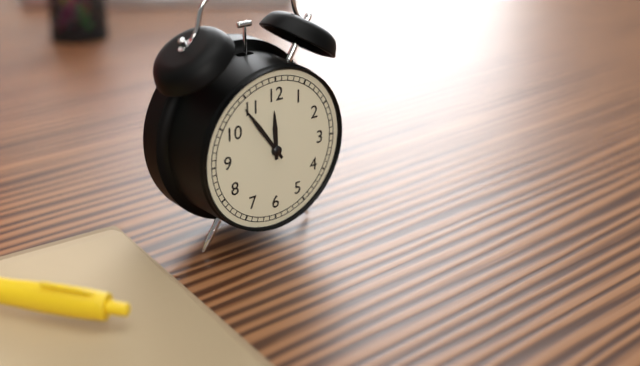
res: 11 h 54 min
